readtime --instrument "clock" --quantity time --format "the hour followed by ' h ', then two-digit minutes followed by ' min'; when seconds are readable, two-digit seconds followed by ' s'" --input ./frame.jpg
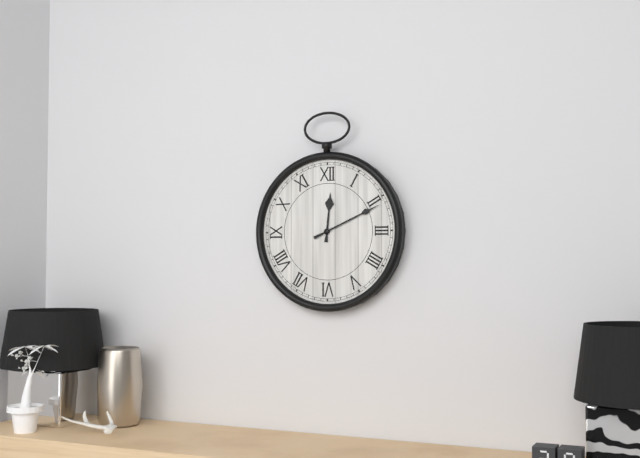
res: 12 h 11 min
